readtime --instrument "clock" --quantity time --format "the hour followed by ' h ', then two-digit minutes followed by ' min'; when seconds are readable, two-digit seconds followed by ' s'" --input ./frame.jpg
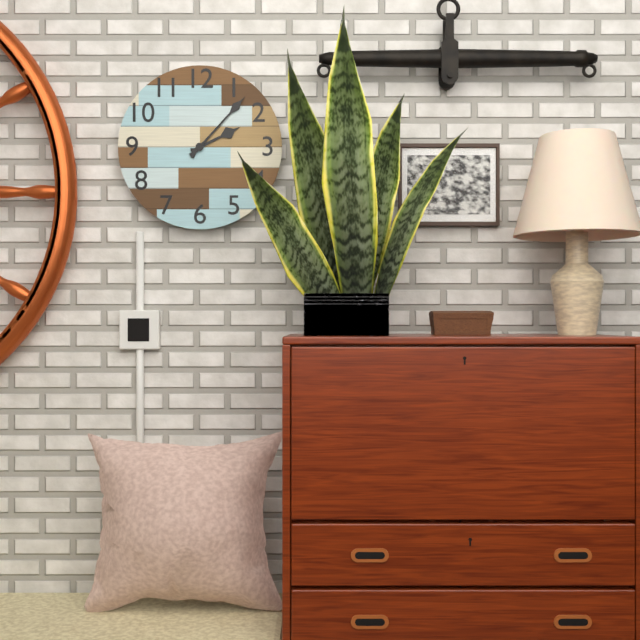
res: 2 h 07 min
